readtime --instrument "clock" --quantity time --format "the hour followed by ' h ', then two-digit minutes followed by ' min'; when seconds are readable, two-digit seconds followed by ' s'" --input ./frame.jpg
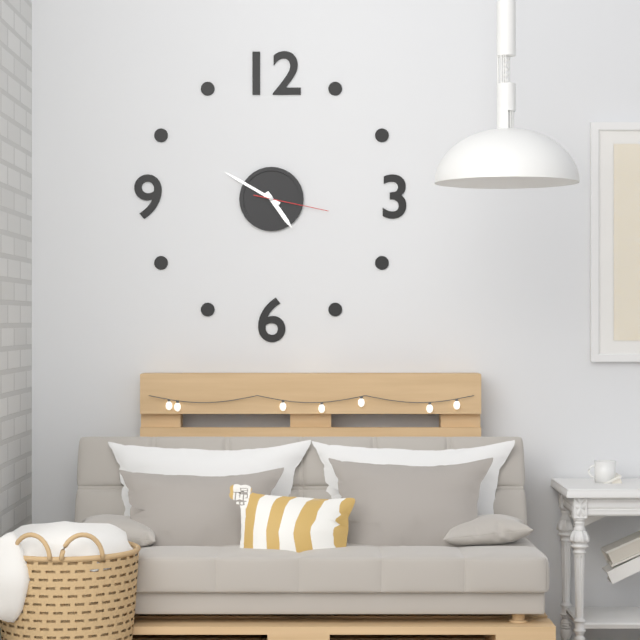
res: 4 h 50 min 17 s
